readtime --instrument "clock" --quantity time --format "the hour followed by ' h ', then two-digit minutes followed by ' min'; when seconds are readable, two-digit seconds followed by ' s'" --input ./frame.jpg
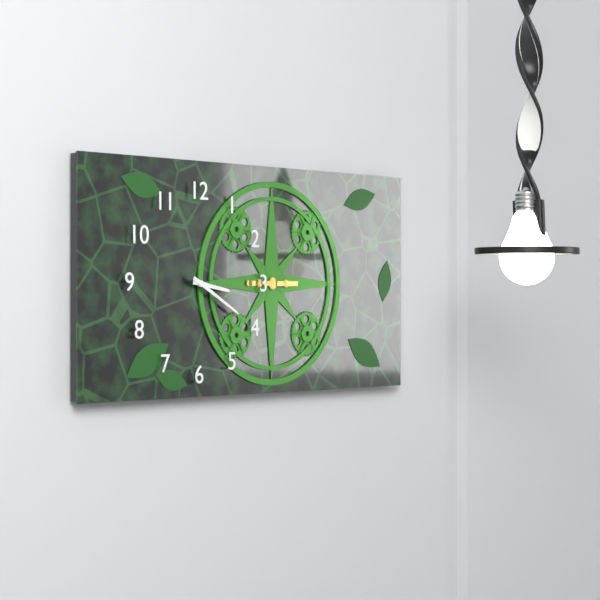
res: 3 h 20 min
